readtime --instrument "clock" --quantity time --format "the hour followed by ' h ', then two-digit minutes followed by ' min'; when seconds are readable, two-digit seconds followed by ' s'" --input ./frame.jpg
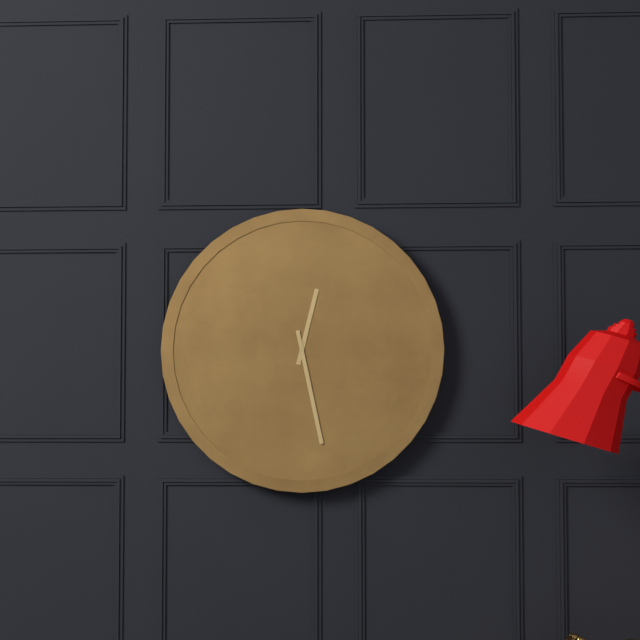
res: 12 h 28 min
